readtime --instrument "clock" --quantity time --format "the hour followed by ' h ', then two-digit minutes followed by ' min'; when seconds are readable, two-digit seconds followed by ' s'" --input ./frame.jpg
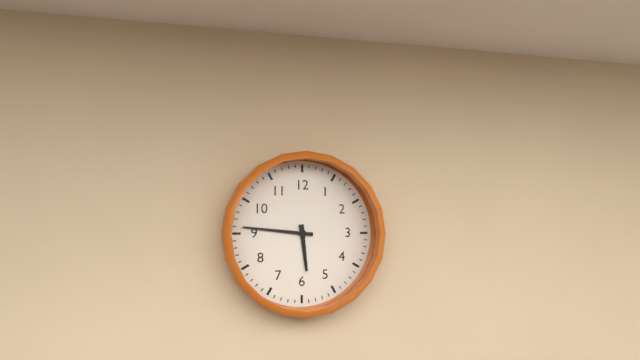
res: 5 h 46 min
